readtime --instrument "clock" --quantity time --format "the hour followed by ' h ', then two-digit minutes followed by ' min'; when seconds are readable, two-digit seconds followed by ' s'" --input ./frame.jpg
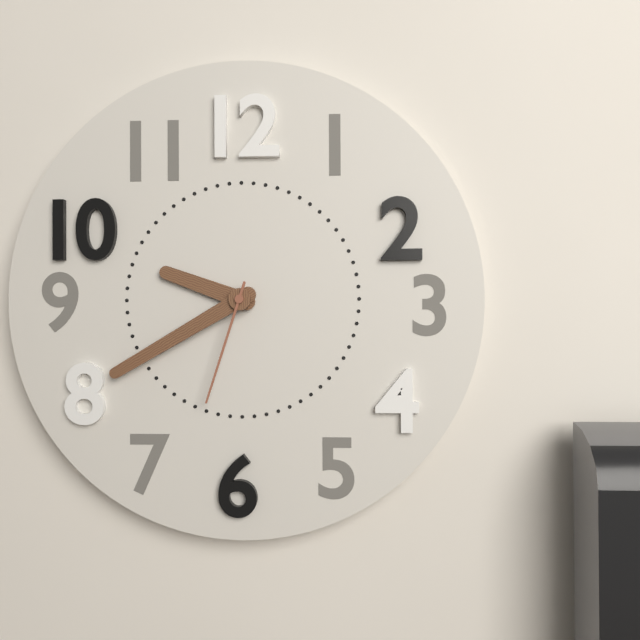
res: 9 h 40 min 33 s
